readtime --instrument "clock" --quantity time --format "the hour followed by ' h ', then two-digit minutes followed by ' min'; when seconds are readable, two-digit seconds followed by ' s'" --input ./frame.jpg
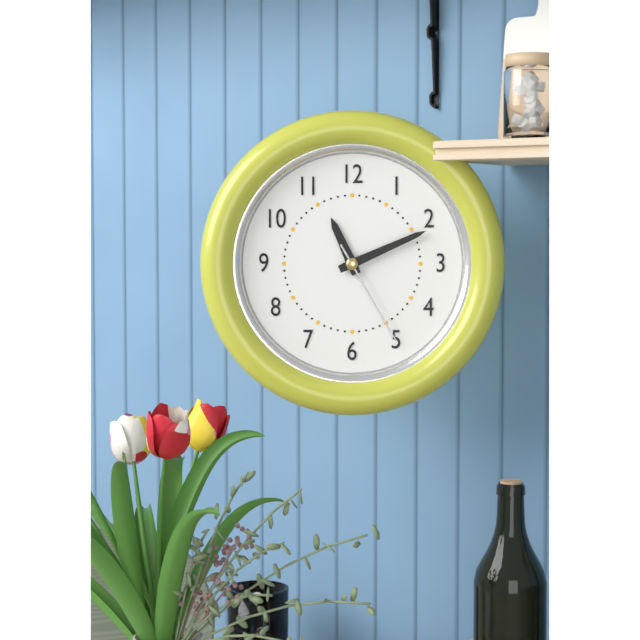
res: 11 h 11 min 25 s
